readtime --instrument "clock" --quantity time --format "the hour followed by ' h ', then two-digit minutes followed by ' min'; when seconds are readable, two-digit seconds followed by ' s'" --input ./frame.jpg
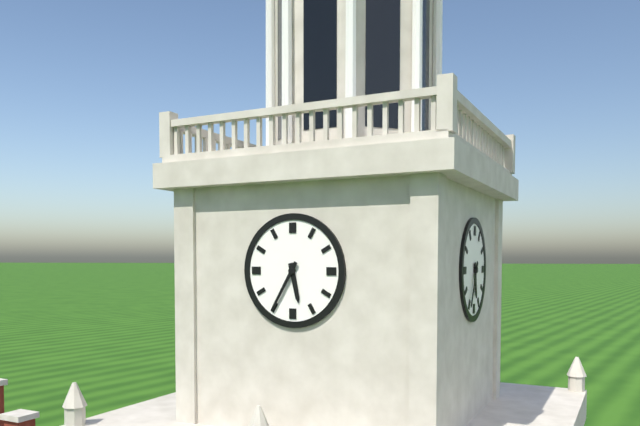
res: 5 h 35 min
